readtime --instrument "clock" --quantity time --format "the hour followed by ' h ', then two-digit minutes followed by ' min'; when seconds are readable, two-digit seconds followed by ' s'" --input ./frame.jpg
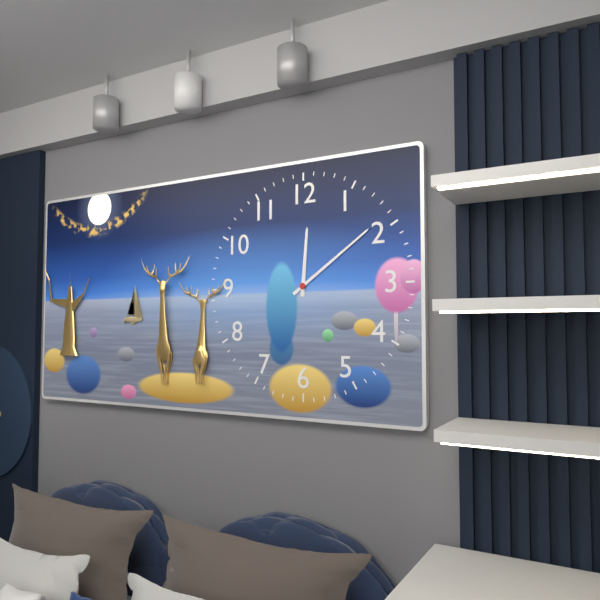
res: 12 h 09 min
